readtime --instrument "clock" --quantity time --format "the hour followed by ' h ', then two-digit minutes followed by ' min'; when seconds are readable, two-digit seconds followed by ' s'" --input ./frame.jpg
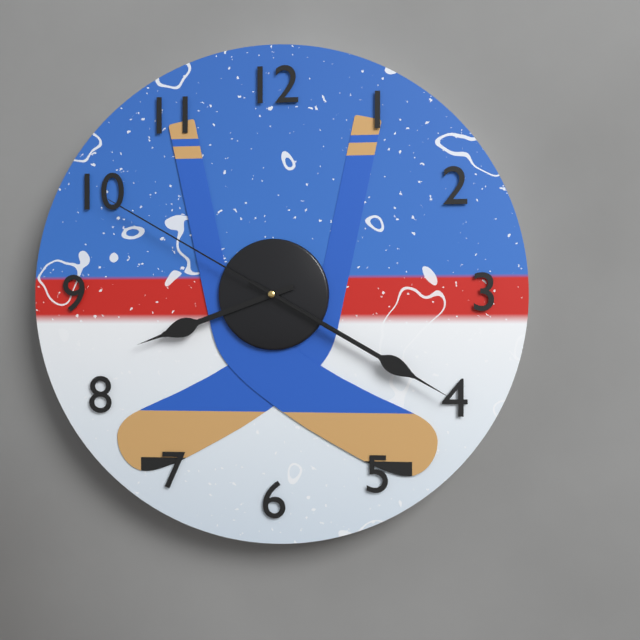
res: 8 h 20 min 50 s
